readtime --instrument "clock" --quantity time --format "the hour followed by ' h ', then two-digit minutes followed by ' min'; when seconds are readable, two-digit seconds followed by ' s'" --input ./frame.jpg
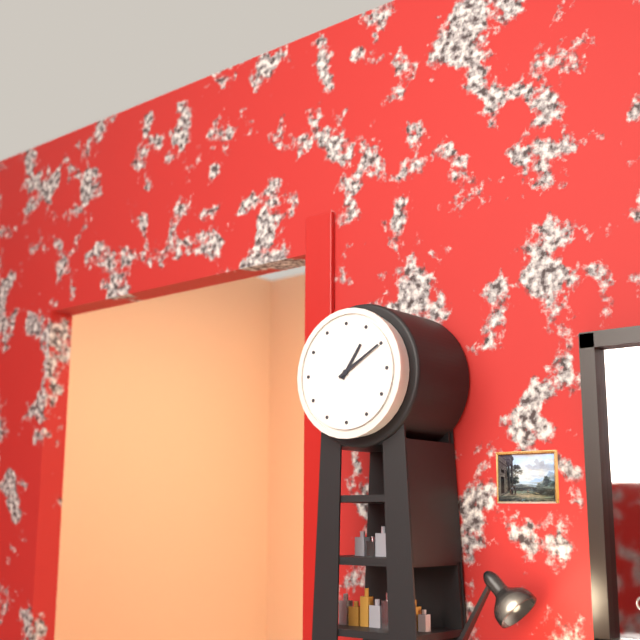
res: 1 h 10 min
